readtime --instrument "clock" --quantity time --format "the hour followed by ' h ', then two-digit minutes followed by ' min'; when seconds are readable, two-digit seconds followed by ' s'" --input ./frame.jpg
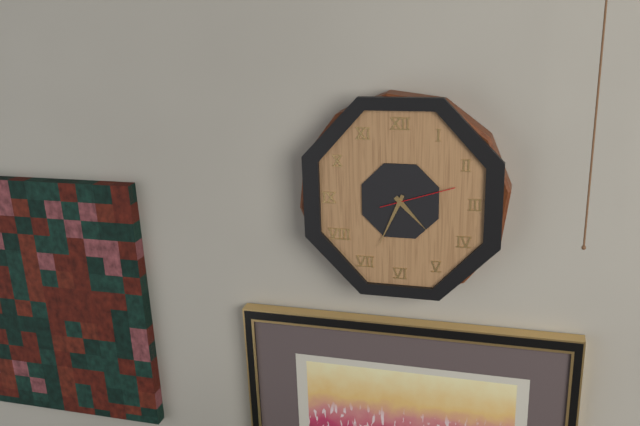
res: 4 h 34 min 12 s
